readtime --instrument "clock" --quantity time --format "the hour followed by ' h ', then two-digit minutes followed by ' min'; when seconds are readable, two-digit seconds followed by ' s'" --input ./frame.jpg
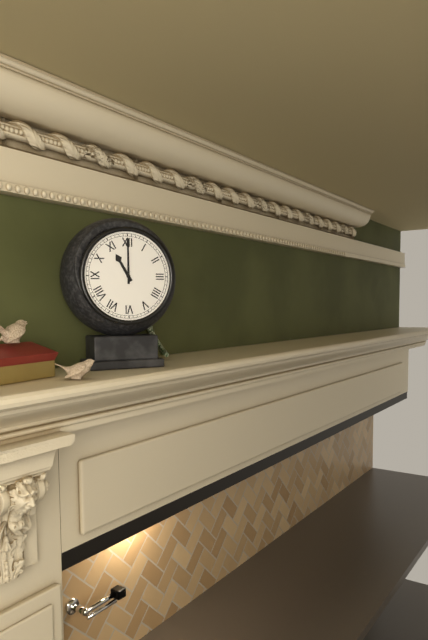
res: 11 h 00 min
